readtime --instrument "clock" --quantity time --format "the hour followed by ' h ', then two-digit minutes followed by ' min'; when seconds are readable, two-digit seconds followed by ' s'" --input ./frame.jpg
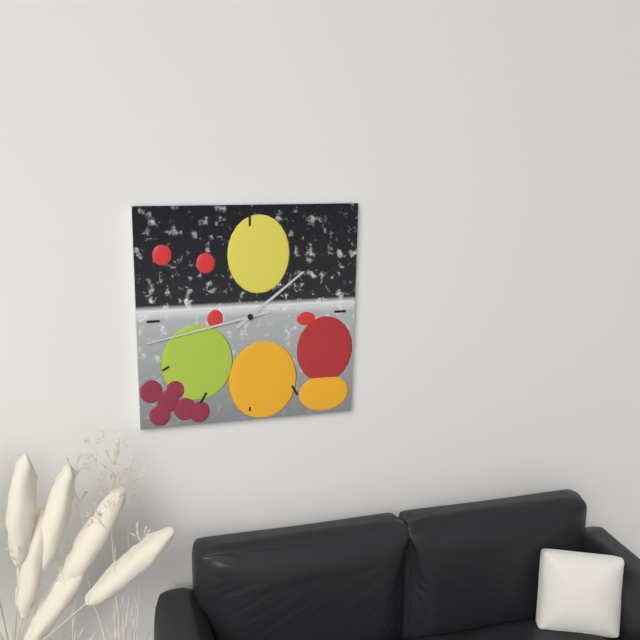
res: 1 h 43 min
